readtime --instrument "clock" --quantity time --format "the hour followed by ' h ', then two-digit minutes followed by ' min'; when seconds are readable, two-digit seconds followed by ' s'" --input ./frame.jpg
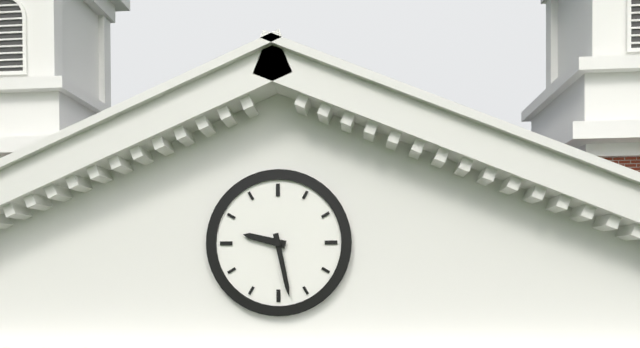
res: 9 h 28 min
